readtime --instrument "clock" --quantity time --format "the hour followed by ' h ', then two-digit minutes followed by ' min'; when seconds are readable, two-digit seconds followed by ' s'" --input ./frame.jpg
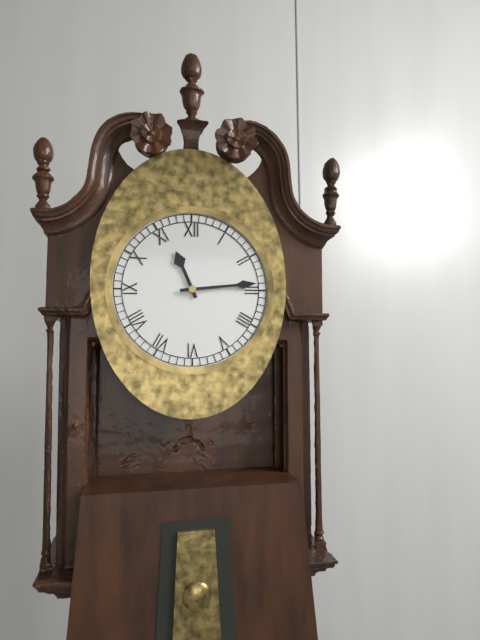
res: 11 h 14 min
